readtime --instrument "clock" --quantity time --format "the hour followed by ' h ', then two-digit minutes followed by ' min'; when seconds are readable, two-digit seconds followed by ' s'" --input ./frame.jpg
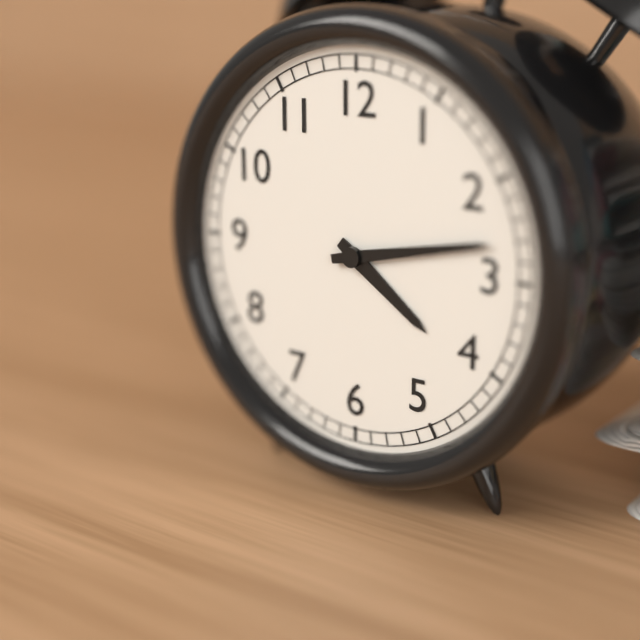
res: 4 h 13 min
